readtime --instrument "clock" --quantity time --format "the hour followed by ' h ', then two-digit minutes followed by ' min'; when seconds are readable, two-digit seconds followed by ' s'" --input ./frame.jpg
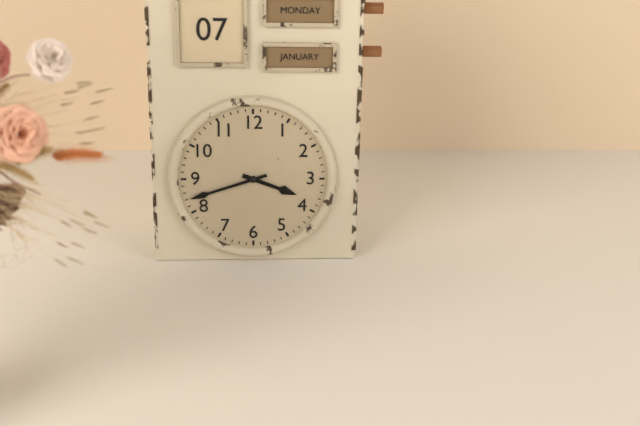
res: 3 h 42 min
